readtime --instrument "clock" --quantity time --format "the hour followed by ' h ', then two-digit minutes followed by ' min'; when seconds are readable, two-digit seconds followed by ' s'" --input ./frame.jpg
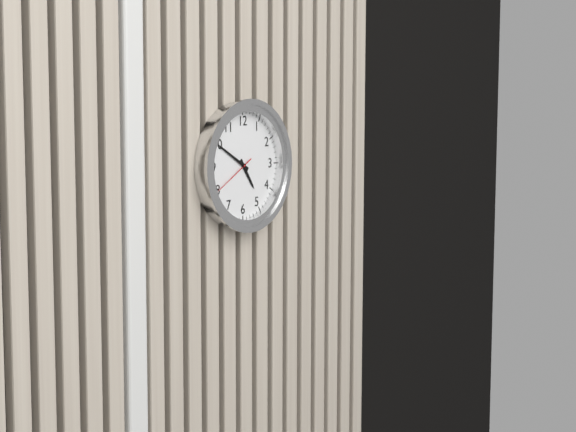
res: 4 h 50 min
